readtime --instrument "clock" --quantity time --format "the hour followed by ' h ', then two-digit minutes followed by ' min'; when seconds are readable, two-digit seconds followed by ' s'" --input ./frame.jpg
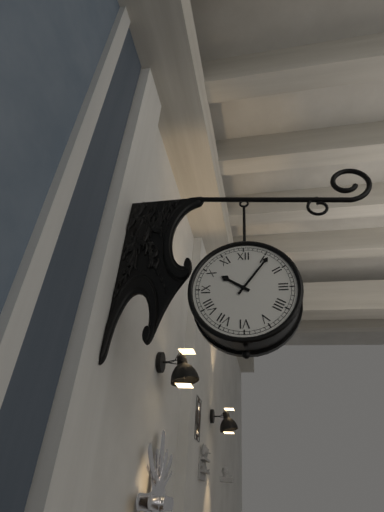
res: 10 h 06 min
